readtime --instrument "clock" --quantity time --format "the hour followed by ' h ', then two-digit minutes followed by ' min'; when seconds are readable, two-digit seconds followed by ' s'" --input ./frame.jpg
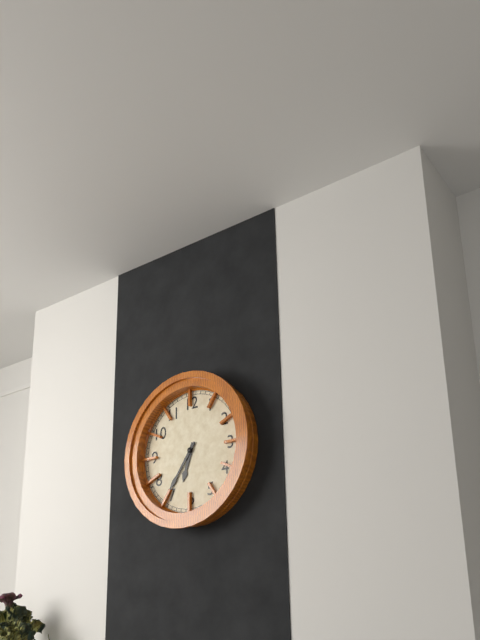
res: 6 h 36 min
